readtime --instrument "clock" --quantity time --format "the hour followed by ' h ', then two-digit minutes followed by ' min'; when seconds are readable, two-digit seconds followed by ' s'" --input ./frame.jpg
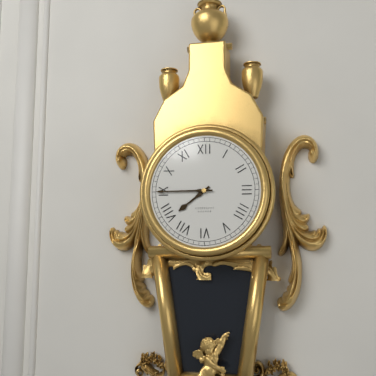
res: 7 h 45 min
